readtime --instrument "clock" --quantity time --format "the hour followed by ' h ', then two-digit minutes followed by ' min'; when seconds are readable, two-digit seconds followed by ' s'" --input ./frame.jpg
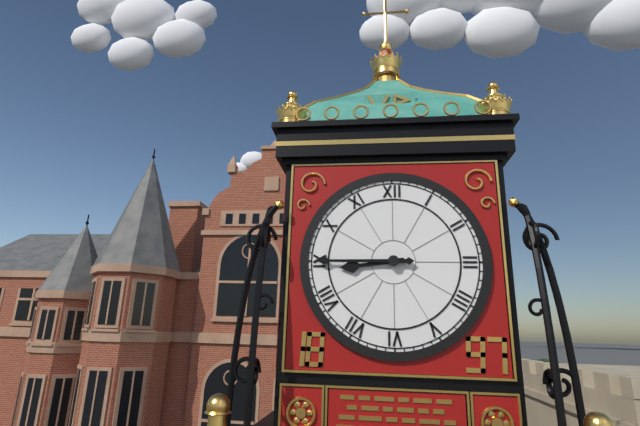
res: 8 h 45 min
